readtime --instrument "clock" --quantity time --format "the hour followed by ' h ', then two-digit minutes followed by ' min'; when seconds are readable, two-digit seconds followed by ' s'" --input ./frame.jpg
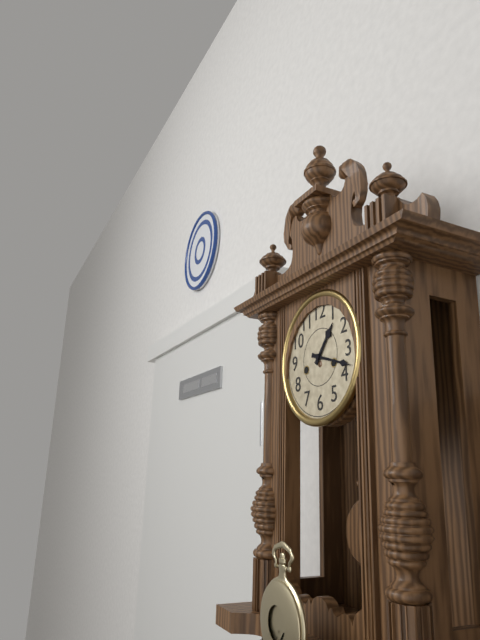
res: 1 h 18 min
